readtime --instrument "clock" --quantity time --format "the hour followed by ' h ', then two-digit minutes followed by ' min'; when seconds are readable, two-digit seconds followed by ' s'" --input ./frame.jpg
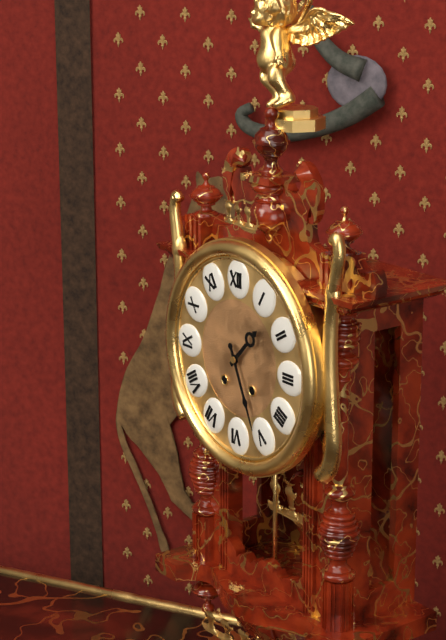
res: 1 h 26 min
